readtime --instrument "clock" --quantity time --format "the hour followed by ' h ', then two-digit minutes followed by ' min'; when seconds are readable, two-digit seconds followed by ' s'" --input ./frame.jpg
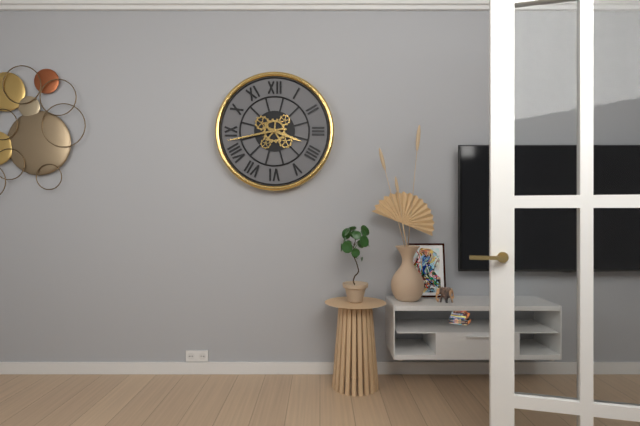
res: 3 h 43 min
